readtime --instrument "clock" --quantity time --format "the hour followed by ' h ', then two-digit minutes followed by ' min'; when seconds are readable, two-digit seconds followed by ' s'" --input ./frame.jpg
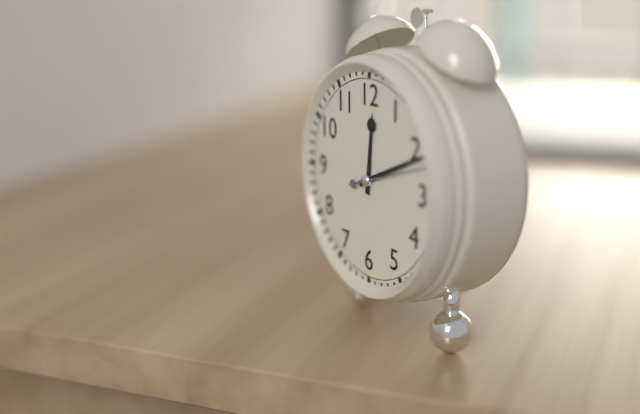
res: 12 h 11 min 12 s
